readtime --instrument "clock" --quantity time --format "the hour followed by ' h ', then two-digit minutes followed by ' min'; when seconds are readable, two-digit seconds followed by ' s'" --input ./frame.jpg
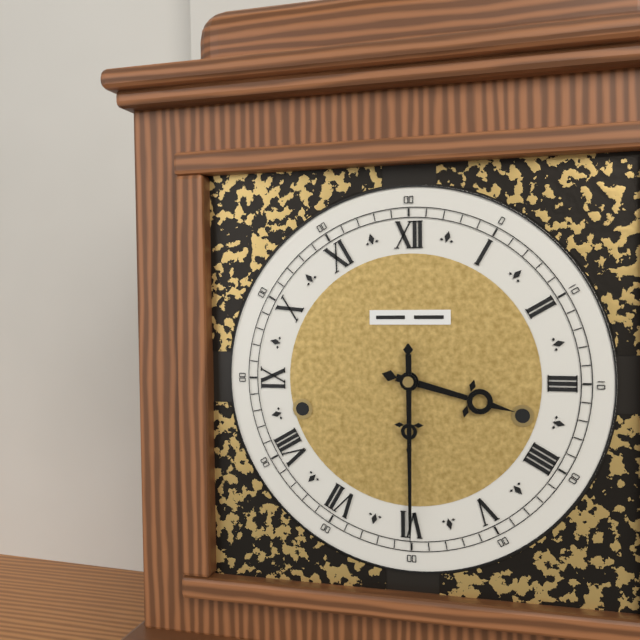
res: 3 h 30 min
